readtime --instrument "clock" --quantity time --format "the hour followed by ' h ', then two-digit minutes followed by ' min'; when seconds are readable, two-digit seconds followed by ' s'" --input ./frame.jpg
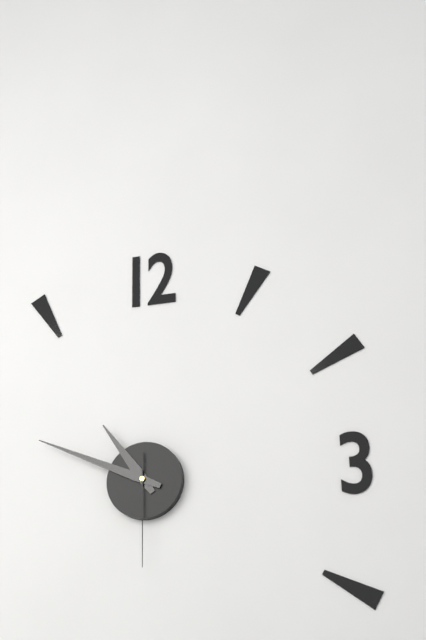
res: 10 h 49 min 30 s
